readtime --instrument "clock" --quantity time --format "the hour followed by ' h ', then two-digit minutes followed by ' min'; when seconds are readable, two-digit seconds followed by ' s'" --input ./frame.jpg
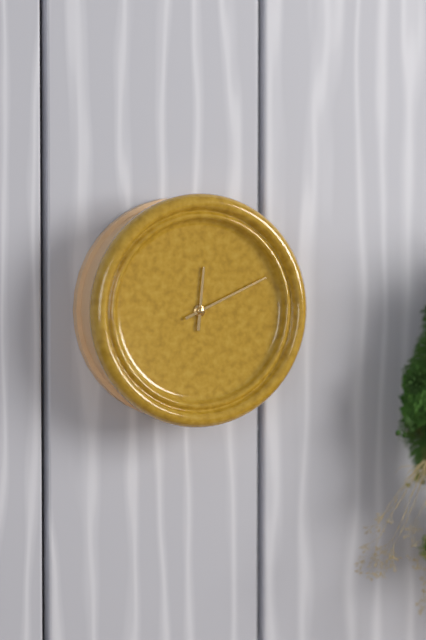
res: 12 h 11 min
